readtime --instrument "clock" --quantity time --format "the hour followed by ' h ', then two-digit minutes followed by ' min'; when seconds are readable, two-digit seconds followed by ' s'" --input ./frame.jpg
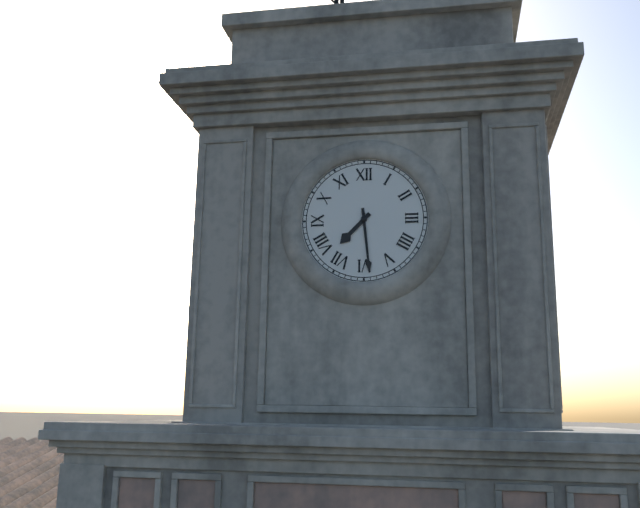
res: 7 h 29 min
